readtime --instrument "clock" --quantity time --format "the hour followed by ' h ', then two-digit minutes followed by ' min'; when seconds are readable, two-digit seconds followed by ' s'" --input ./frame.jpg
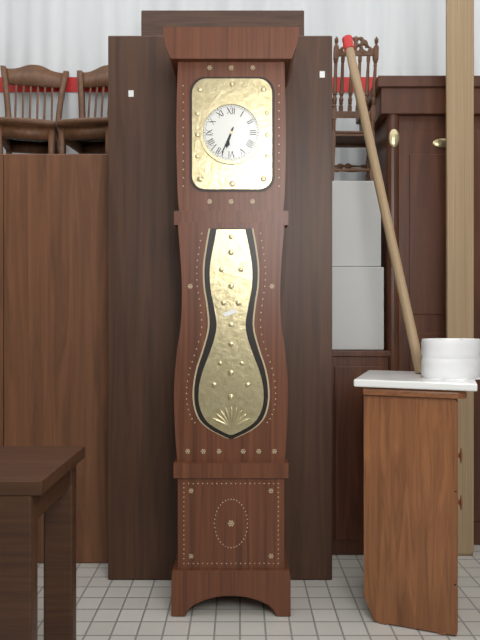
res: 6 h 34 min
